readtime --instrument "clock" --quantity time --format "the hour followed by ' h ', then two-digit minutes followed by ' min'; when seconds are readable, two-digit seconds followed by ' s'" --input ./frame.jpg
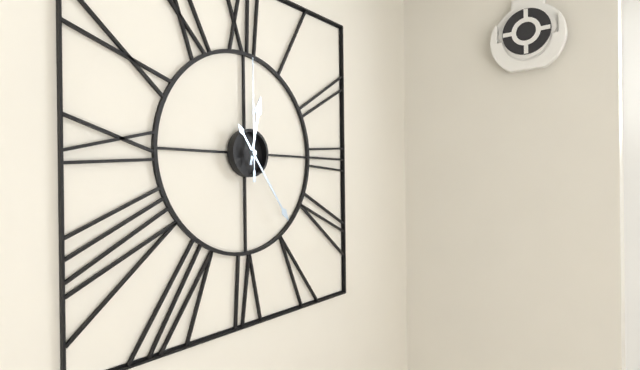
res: 12 h 24 min 00 s
